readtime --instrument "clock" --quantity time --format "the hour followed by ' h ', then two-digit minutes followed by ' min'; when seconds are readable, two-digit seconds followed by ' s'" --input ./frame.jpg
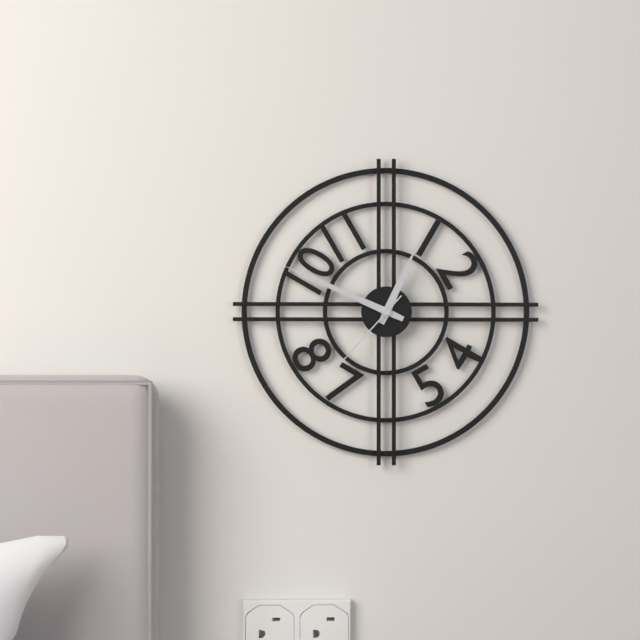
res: 12 h 49 min 37 s
